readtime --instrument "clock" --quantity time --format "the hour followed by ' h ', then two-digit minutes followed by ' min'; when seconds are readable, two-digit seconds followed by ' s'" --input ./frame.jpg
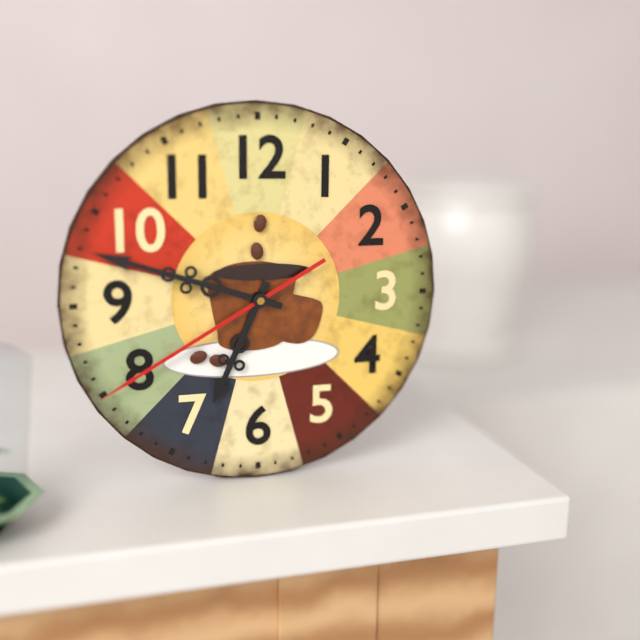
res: 6 h 48 min 40 s
